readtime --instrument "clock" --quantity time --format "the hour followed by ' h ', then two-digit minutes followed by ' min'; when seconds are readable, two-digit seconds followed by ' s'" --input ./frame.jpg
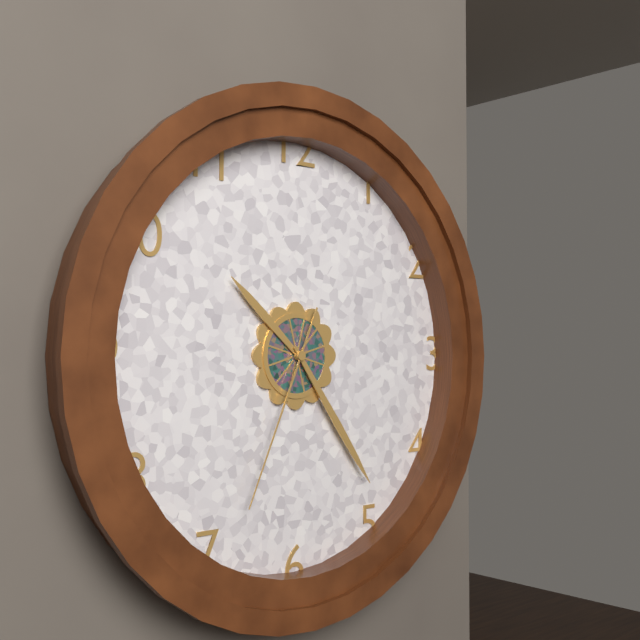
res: 10 h 24 min 34 s
